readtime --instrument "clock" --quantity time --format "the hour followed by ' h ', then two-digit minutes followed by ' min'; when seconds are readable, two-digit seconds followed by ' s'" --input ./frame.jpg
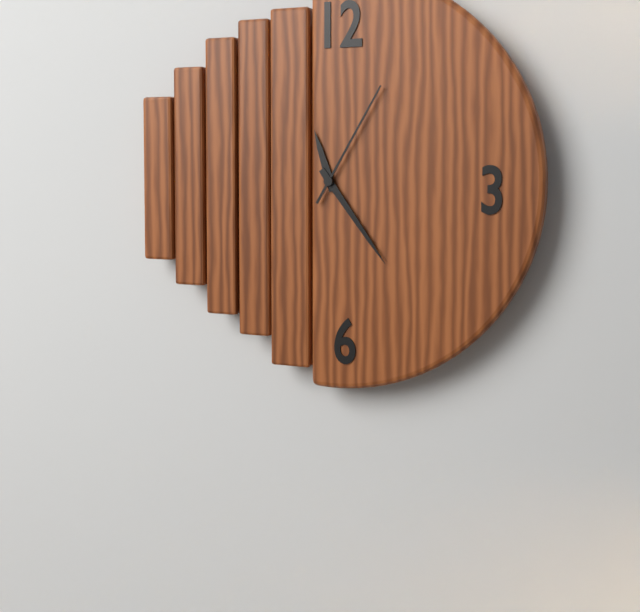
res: 11 h 24 min 05 s
